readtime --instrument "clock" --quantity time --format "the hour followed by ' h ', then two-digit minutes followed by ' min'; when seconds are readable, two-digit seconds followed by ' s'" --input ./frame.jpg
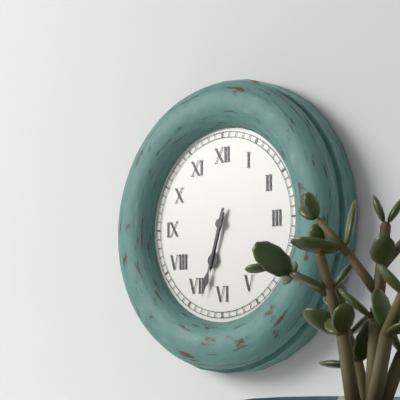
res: 6 h 33 min
